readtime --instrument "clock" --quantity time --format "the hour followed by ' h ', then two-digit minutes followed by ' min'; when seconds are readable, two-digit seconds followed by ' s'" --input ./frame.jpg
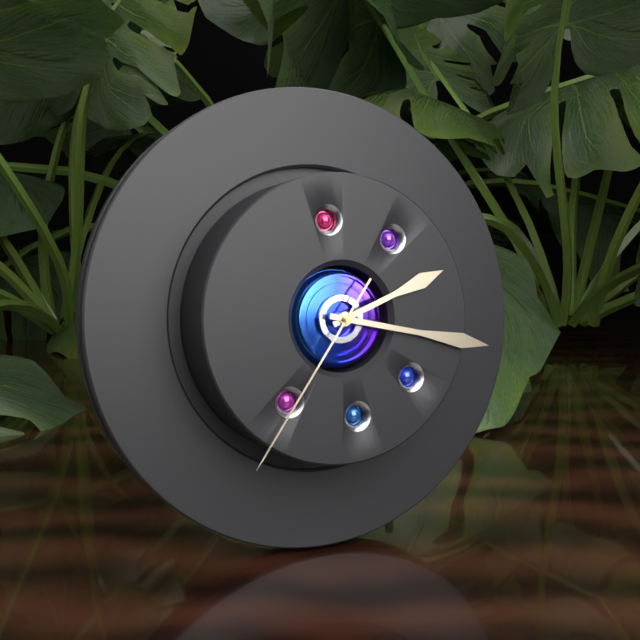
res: 2 h 17 min 36 s
